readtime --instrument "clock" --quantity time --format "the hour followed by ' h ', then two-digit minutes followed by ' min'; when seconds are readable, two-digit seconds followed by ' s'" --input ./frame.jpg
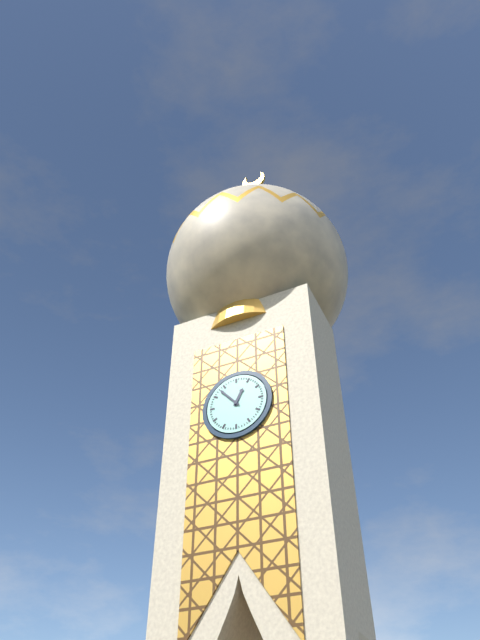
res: 12 h 53 min
